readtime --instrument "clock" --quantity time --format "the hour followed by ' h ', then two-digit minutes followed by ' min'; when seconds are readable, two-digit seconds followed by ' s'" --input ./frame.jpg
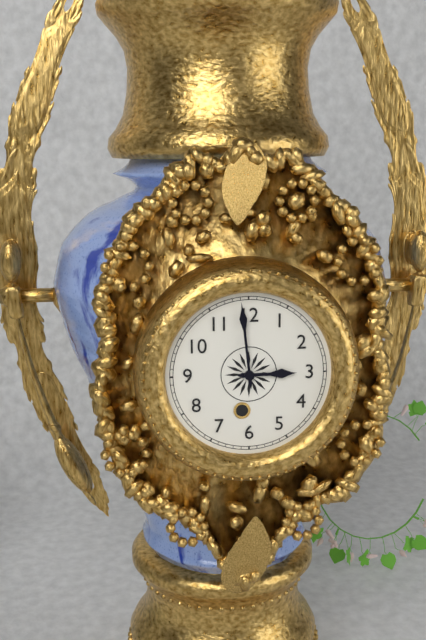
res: 2 h 59 min
